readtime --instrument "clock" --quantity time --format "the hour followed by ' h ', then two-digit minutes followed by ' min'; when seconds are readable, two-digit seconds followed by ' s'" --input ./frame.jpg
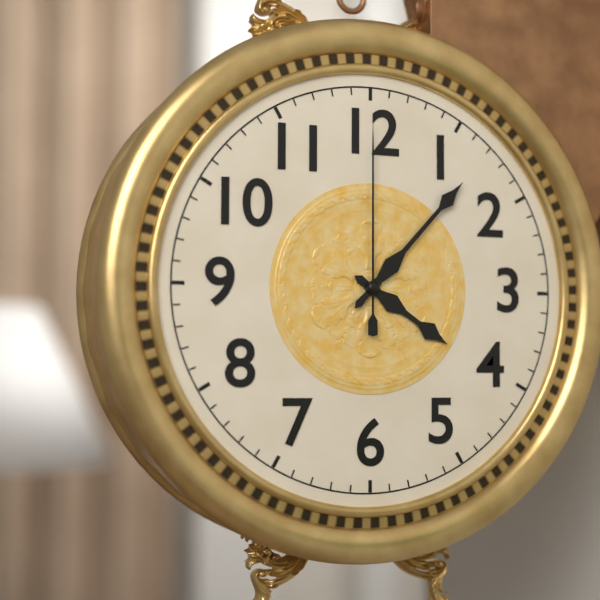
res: 4 h 07 min 00 s
